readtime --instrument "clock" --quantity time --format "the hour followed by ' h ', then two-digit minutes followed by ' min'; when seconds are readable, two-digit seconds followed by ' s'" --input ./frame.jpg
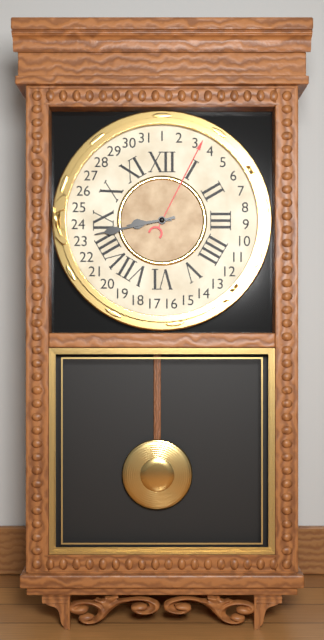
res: 8 h 43 min
